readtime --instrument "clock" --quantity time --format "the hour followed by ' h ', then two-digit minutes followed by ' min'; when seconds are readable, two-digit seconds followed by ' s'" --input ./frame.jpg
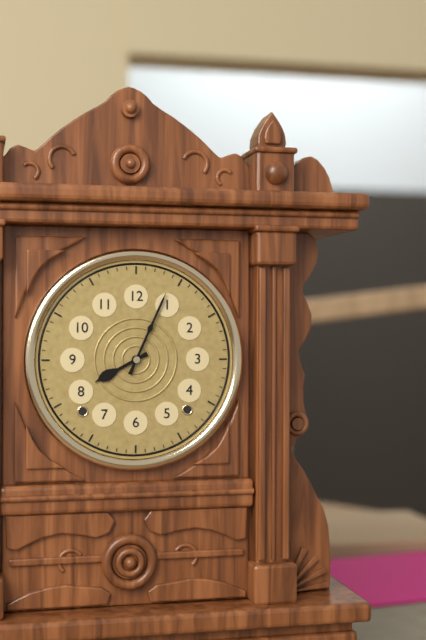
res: 8 h 04 min
